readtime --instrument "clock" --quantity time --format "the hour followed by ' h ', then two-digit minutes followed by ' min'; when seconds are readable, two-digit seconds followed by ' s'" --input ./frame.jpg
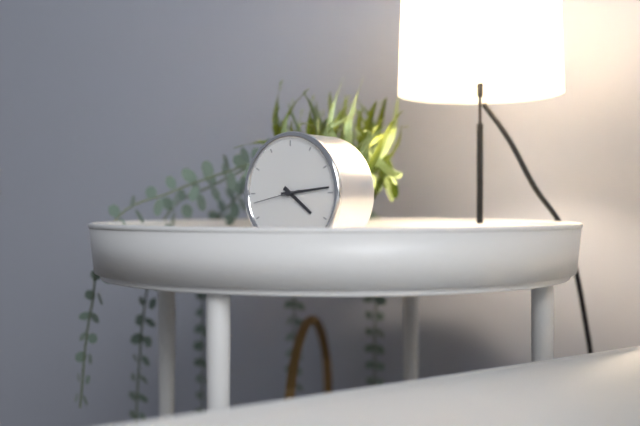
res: 4 h 14 min
